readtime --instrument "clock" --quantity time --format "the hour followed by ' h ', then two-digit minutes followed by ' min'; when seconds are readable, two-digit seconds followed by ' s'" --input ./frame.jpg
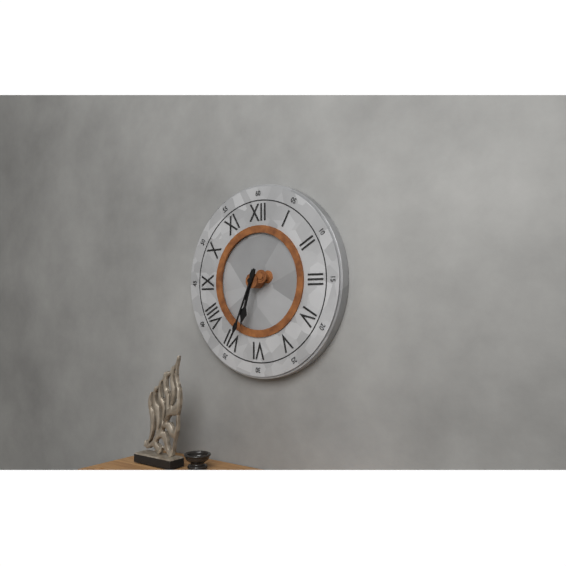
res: 6 h 34 min
